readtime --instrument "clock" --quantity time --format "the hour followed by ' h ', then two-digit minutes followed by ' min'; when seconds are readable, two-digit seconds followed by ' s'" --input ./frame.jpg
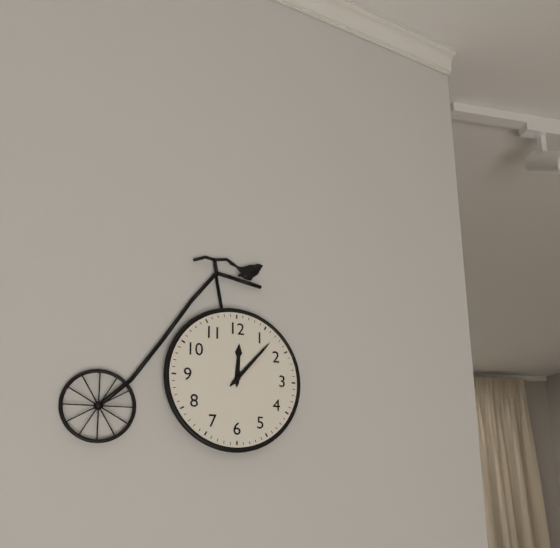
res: 12 h 07 min
